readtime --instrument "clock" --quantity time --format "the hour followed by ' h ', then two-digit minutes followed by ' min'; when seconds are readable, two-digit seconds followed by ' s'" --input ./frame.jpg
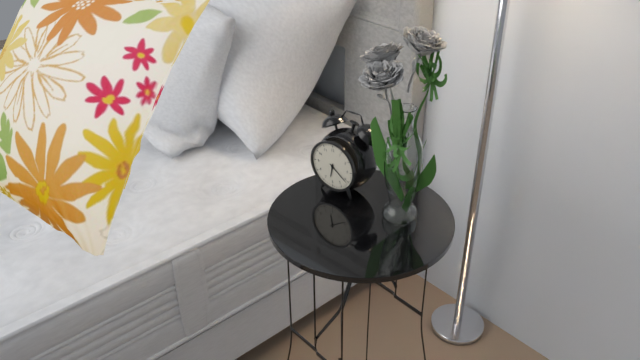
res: 6 h 21 min
